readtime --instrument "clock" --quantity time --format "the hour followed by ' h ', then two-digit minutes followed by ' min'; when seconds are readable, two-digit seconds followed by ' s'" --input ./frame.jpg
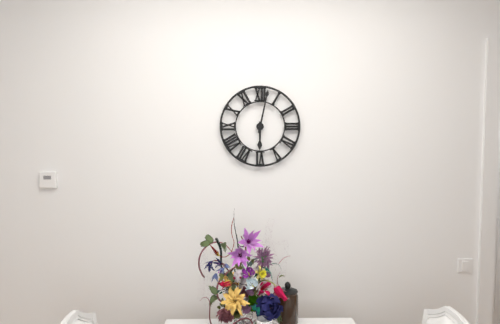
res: 6 h 02 min
